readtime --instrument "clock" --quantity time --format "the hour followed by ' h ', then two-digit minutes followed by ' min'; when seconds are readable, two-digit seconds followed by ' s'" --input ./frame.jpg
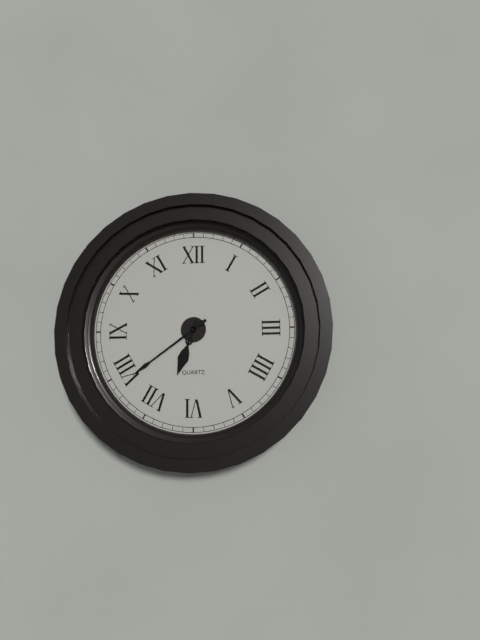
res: 6 h 39 min
